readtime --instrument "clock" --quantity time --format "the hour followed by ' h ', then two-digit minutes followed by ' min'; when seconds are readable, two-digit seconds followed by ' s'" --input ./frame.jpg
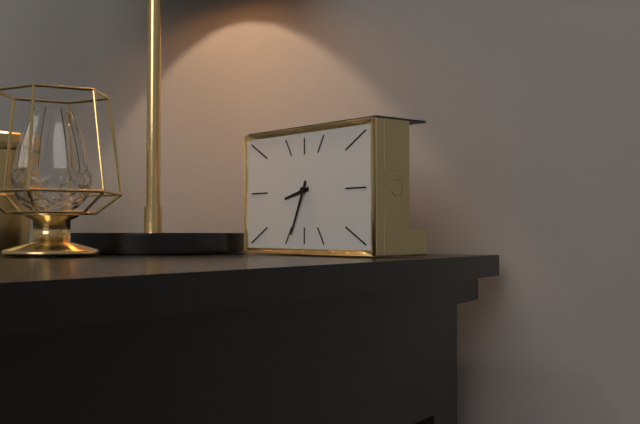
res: 8 h 34 min
